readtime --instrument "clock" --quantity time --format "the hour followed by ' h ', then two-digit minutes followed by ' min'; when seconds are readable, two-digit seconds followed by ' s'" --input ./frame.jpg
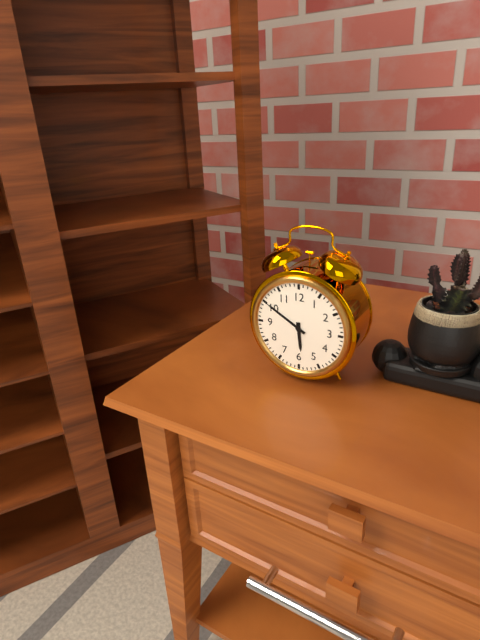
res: 5 h 50 min
